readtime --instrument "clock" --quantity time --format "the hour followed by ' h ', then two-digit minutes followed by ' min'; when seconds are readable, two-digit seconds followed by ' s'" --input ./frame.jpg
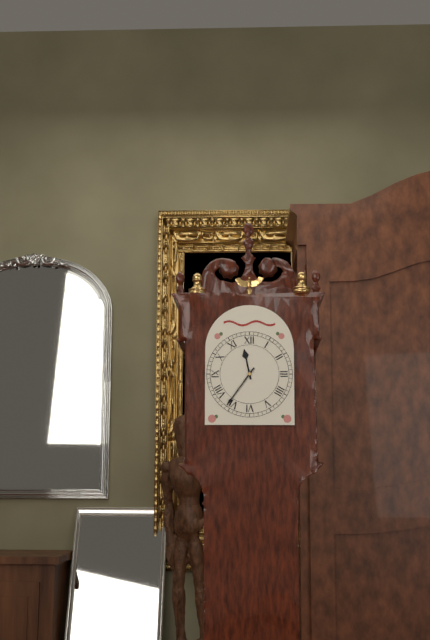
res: 11 h 36 min
